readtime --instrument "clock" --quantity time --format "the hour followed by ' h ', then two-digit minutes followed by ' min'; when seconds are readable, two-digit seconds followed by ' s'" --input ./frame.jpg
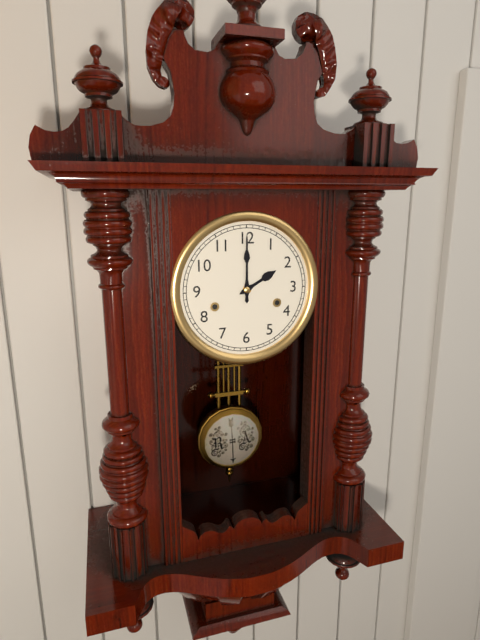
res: 2 h 00 min
